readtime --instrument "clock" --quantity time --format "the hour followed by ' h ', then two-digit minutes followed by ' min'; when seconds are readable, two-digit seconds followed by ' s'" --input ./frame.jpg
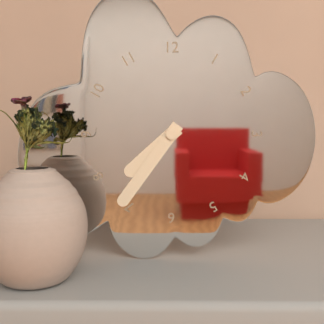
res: 7 h 36 min
